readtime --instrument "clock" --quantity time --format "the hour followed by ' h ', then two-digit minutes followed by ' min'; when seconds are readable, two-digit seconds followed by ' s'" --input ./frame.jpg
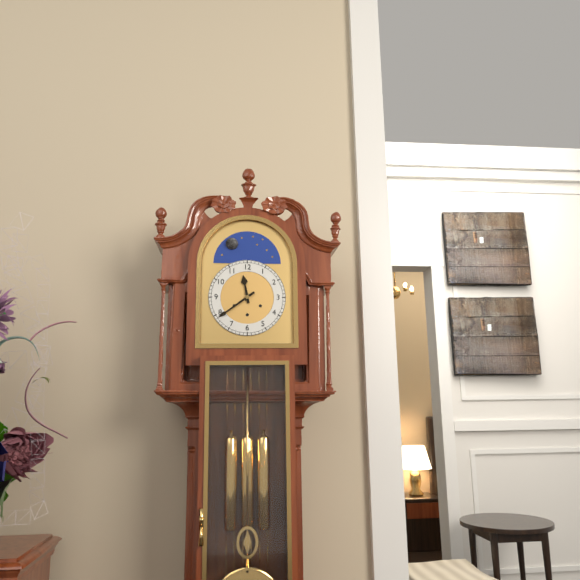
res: 11 h 39 min
